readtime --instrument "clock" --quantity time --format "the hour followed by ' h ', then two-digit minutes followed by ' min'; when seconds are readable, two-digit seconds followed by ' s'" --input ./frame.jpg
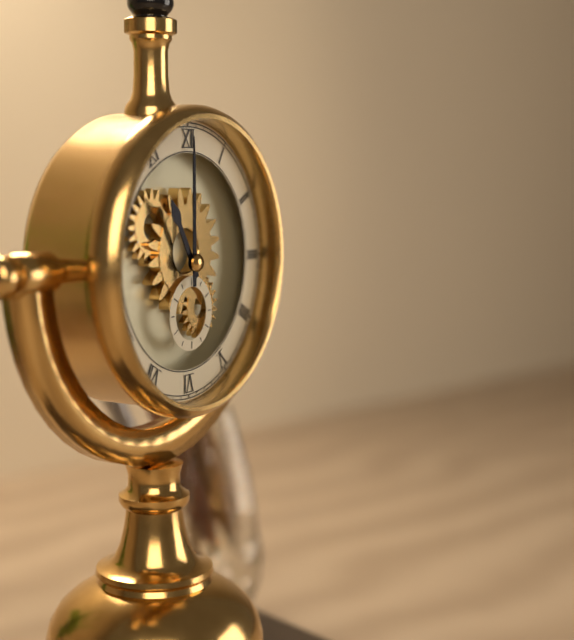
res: 11 h 00 min
